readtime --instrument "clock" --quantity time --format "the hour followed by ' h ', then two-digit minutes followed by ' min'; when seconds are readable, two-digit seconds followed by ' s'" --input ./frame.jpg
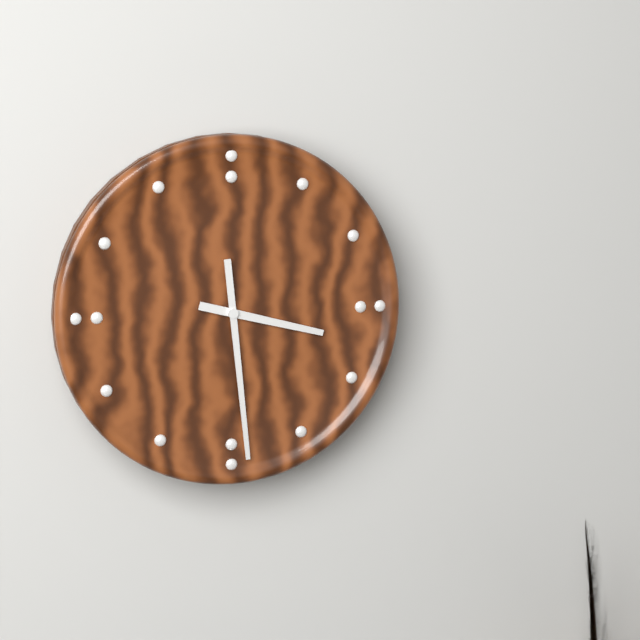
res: 3 h 29 min
